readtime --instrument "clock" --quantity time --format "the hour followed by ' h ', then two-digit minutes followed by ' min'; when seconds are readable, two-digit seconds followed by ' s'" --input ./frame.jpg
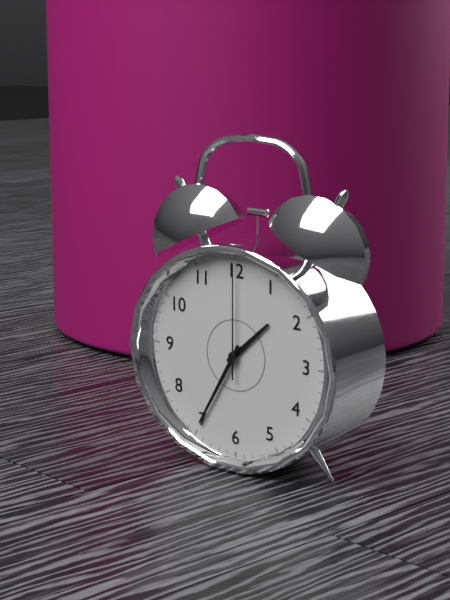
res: 1 h 35 min 00 s
